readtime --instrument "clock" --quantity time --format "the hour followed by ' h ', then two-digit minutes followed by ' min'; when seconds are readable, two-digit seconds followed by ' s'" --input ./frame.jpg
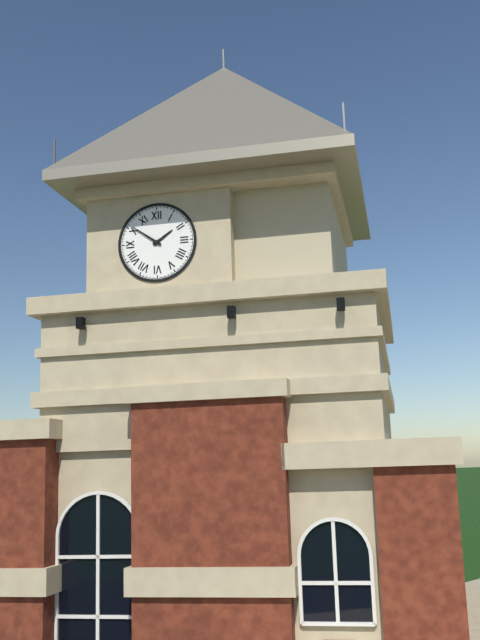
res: 1 h 51 min
